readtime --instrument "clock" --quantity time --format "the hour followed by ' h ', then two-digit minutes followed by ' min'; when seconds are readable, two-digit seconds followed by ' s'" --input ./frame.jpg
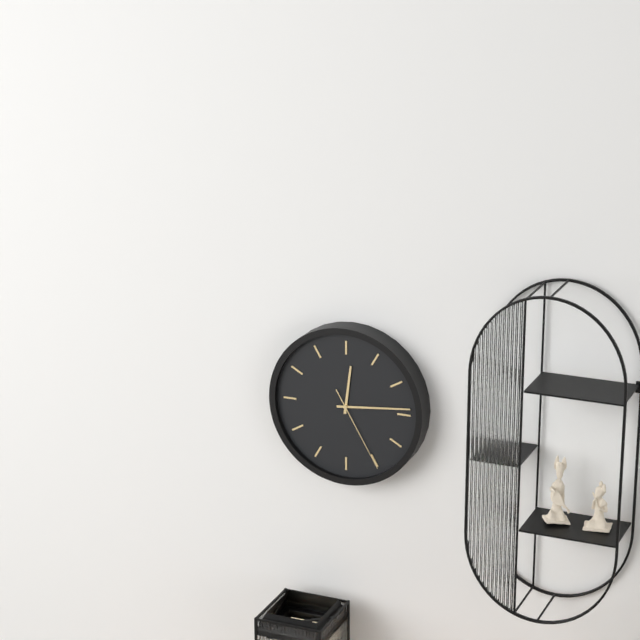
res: 12 h 14 min 25 s
